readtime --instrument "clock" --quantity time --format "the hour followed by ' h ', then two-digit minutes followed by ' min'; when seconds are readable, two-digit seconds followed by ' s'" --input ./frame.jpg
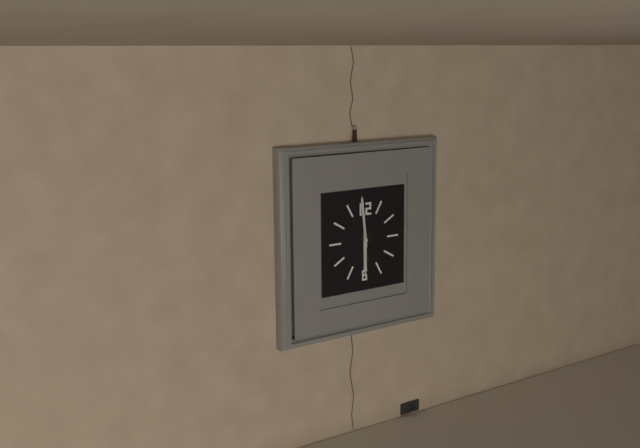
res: 5 h 59 min
